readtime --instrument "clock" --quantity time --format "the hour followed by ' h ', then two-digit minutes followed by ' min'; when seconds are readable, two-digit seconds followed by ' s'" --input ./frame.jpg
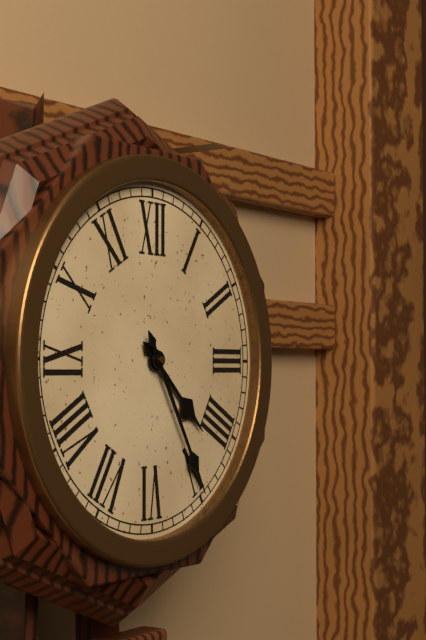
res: 4 h 25 min
